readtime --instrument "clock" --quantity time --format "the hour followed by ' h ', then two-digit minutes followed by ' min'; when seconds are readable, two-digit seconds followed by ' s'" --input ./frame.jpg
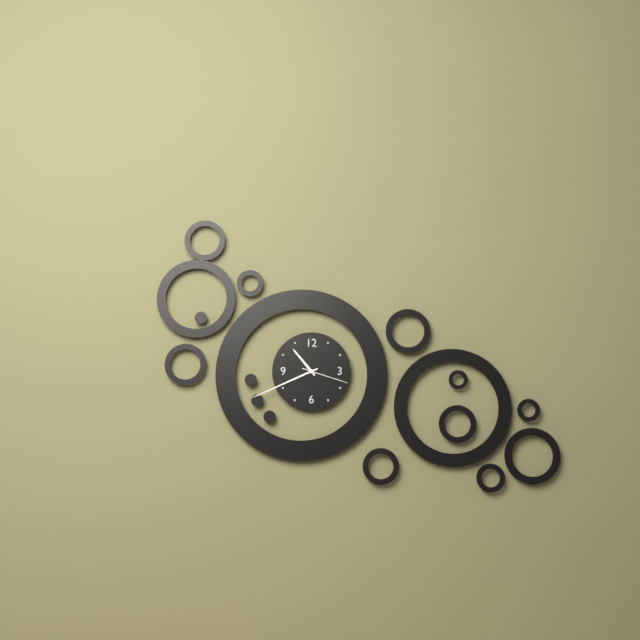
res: 10 h 41 min 18 s
